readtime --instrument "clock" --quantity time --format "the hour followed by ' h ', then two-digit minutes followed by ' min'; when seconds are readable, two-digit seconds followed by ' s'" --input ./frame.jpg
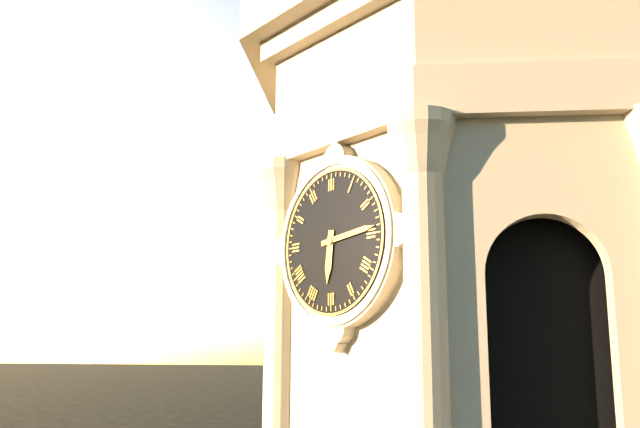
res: 6 h 14 min
